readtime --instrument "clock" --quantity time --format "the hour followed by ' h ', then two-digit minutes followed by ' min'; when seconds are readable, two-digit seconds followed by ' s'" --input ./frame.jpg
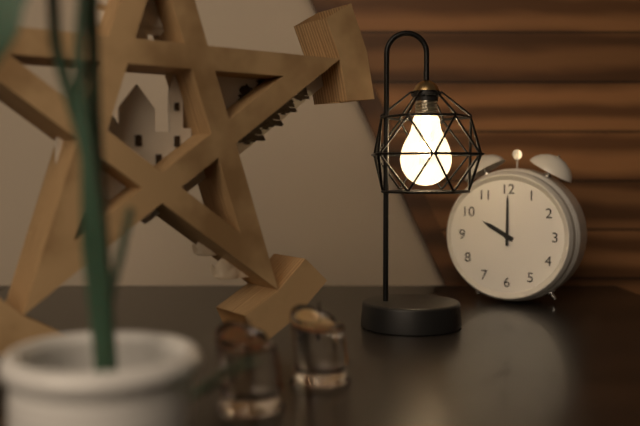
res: 10 h 00 min
